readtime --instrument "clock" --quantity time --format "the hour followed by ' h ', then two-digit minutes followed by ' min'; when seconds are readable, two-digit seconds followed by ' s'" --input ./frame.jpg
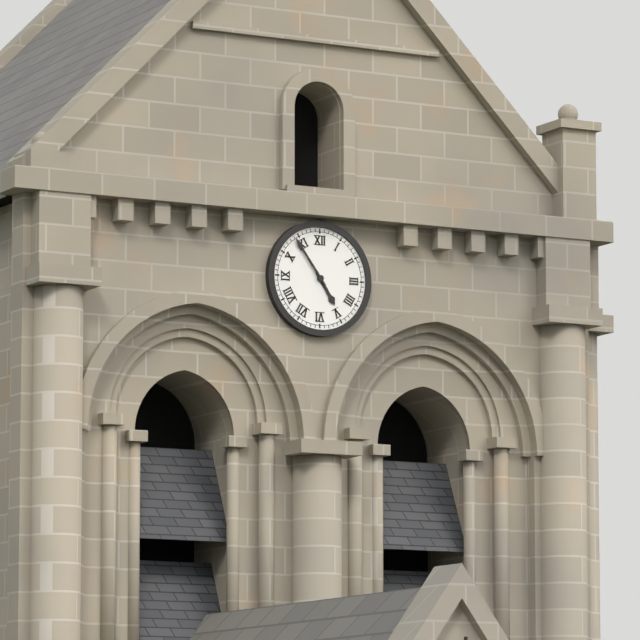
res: 4 h 54 min
